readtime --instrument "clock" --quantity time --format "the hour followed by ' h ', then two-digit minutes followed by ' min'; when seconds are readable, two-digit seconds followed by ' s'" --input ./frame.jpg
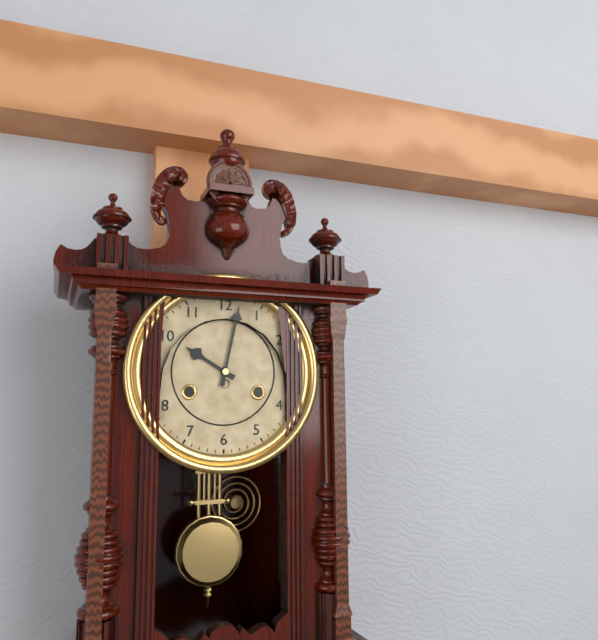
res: 10 h 02 min
